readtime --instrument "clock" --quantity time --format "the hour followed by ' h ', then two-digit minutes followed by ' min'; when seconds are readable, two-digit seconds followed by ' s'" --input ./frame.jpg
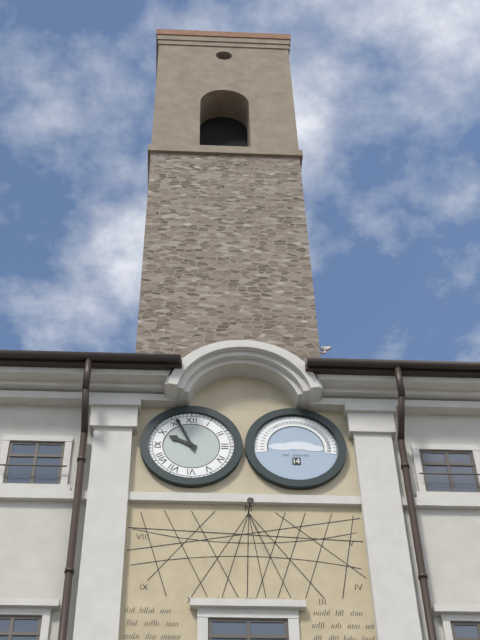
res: 9 h 56 min
